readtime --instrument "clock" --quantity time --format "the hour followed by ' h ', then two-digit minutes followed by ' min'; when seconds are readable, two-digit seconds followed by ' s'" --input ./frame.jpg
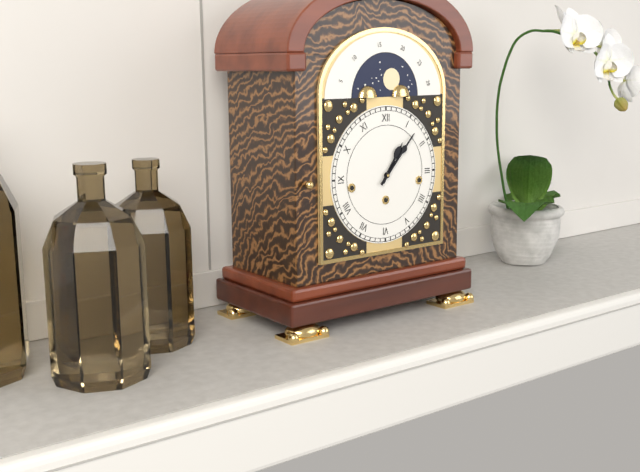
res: 1 h 07 min
